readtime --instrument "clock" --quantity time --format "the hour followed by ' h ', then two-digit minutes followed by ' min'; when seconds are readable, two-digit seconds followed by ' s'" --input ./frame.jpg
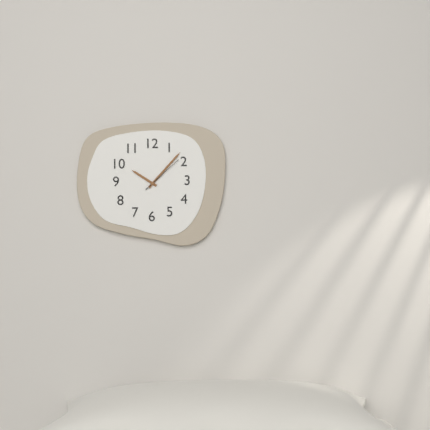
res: 10 h 07 min
